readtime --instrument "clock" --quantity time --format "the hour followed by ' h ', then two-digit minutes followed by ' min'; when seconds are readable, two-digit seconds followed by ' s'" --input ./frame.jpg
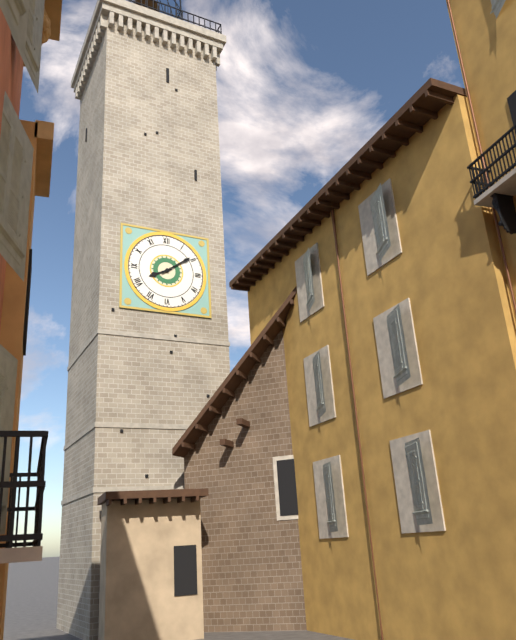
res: 8 h 09 min
